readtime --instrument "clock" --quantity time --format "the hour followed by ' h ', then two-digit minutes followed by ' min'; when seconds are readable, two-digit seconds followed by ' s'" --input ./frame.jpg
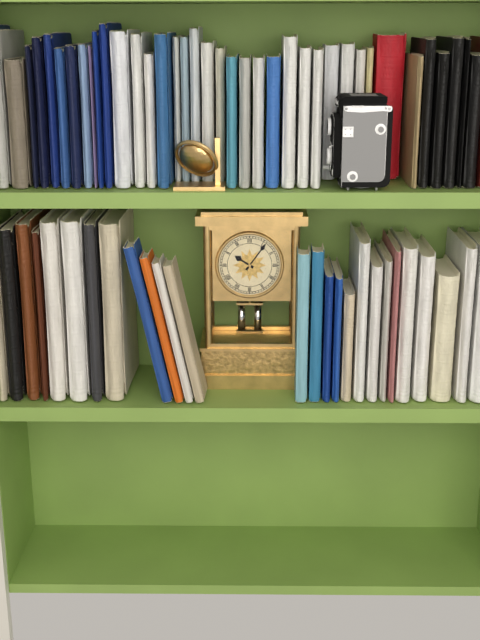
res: 10 h 06 min
